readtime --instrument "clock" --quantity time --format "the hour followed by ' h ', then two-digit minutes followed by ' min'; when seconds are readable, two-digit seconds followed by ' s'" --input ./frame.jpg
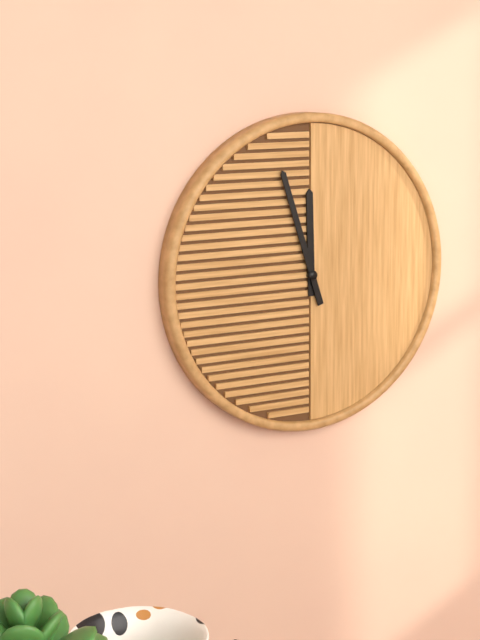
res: 11 h 57 min
